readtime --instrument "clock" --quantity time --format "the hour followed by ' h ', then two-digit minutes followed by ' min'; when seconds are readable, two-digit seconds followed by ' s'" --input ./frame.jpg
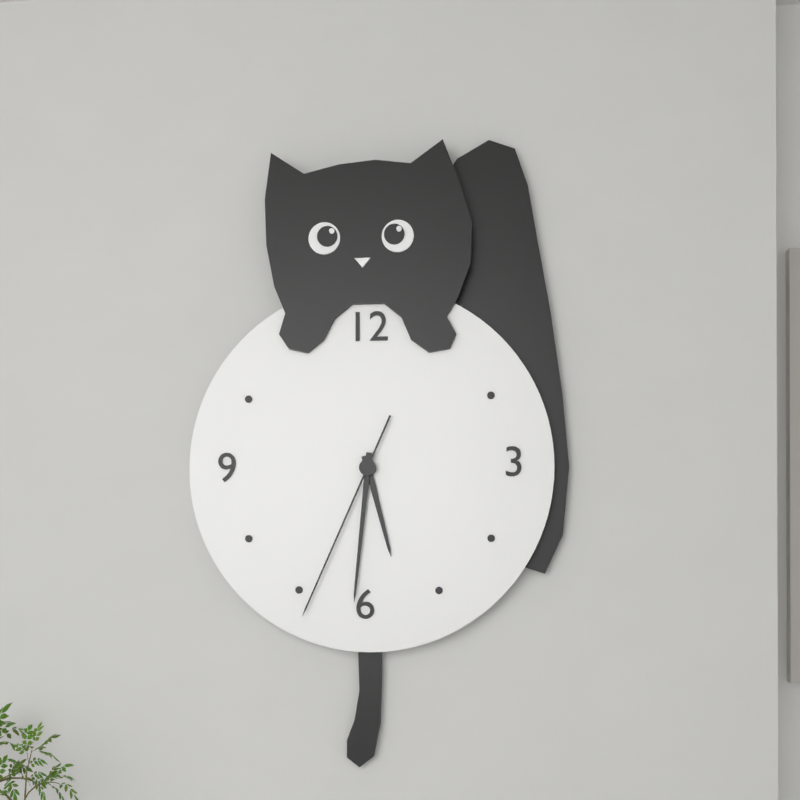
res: 5 h 31 min 34 s
